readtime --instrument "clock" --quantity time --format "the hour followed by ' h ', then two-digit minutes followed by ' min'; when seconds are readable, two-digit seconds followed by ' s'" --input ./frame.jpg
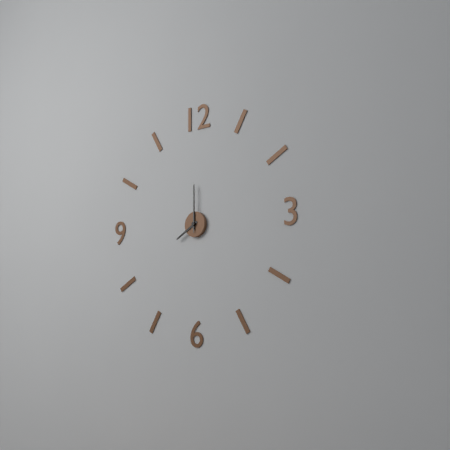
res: 8 h 00 min
